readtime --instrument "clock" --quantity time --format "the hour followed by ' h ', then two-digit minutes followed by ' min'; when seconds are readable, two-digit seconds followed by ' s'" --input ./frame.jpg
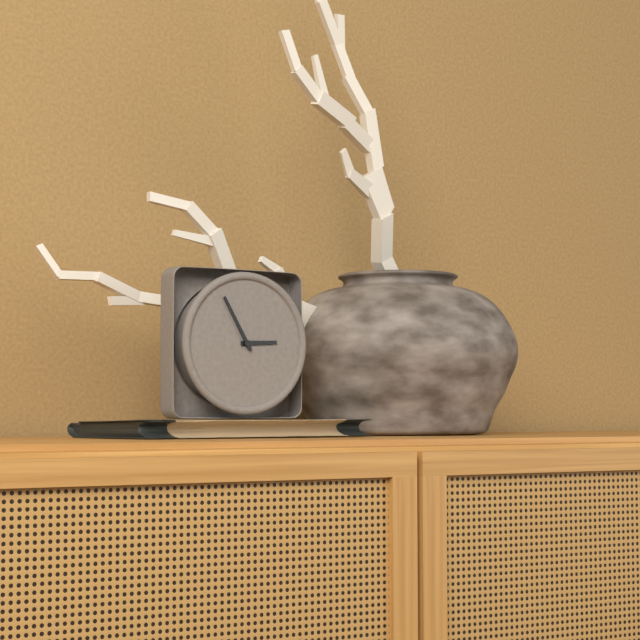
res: 2 h 55 min
